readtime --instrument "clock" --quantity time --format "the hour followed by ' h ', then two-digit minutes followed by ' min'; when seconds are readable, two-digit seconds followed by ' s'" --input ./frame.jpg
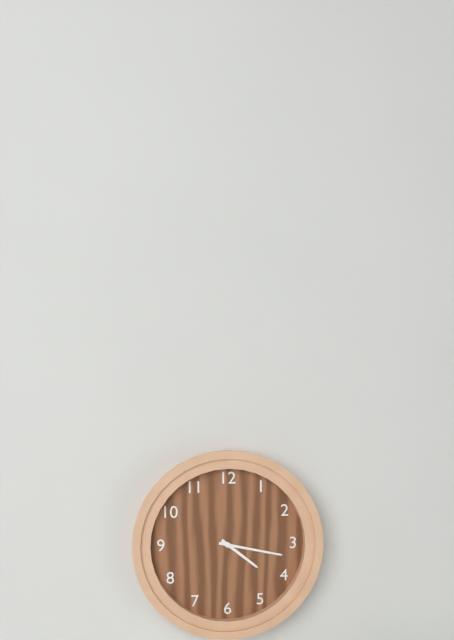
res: 4 h 17 min
